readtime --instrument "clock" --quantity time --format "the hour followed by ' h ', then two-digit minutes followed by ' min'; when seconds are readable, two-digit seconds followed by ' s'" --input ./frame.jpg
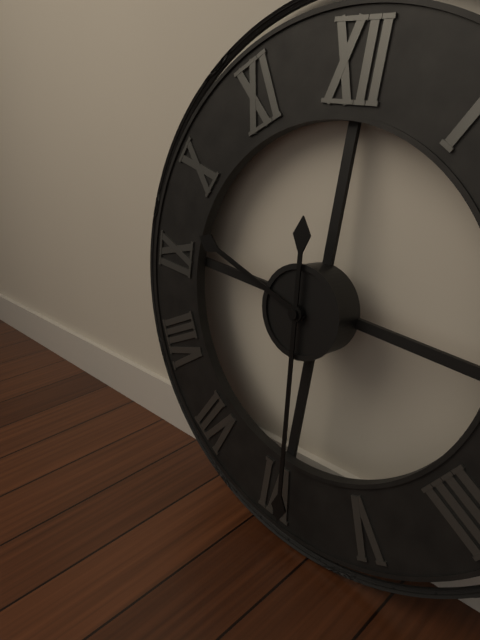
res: 9 h 29 min
